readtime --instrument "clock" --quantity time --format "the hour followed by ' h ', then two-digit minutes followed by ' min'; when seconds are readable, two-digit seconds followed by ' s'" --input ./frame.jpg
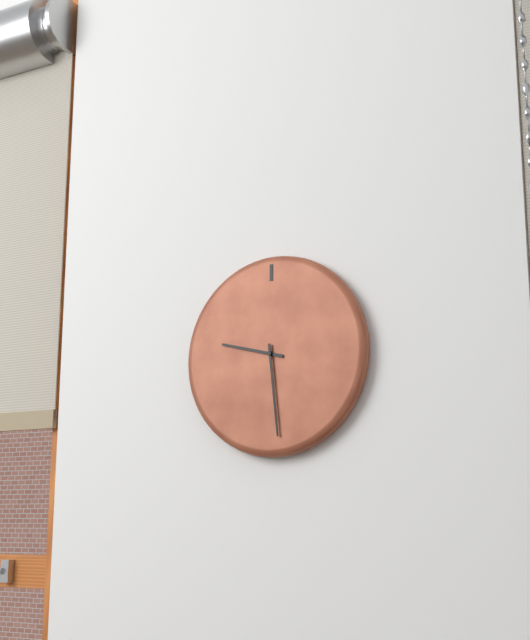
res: 9 h 29 min
